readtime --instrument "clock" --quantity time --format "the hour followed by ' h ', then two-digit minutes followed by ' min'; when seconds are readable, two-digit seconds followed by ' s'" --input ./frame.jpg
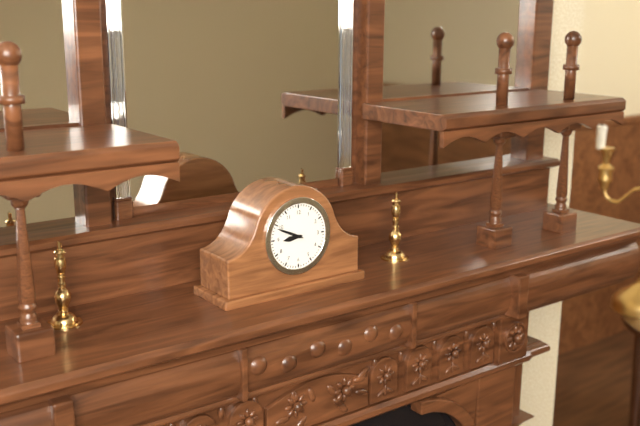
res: 8 h 49 min
